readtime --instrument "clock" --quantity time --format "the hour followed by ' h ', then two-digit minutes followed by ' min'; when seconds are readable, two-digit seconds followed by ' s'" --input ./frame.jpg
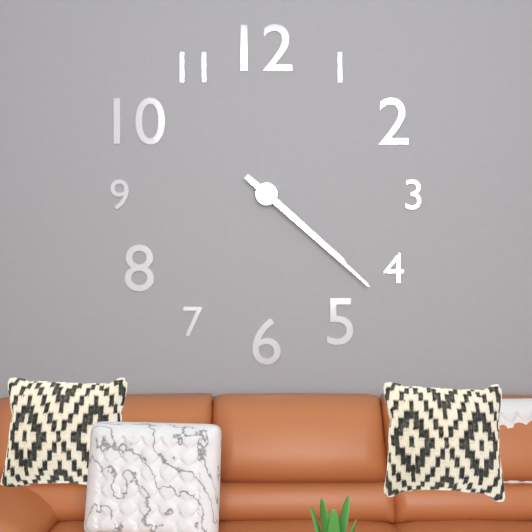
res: 4 h 22 min
